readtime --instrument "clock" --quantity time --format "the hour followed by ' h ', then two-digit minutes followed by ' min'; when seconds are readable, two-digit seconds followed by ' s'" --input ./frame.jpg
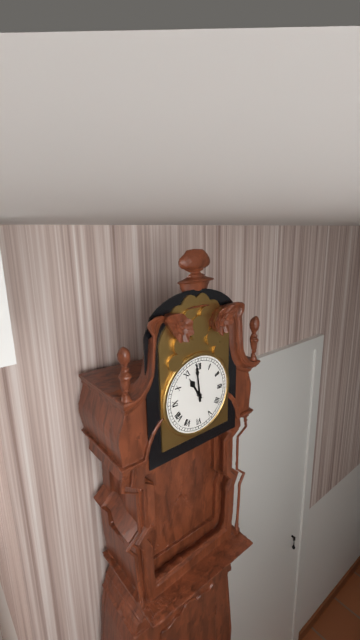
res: 10 h 59 min
